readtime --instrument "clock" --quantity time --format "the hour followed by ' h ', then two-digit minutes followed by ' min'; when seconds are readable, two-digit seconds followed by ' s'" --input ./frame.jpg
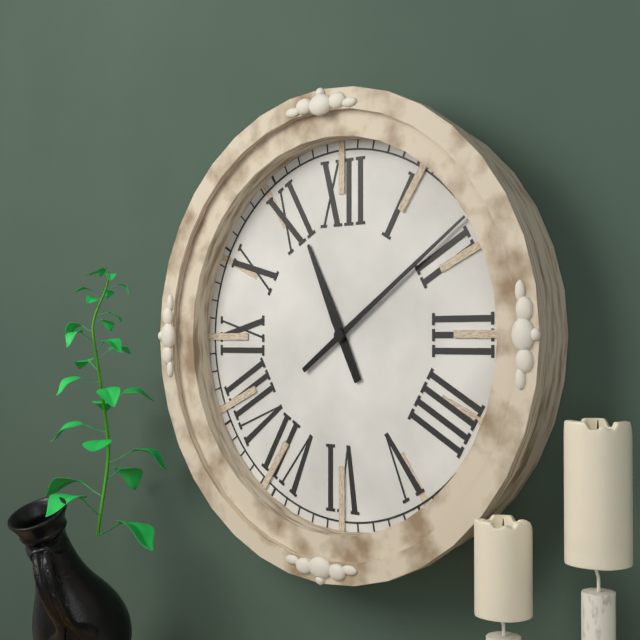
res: 11 h 09 min
